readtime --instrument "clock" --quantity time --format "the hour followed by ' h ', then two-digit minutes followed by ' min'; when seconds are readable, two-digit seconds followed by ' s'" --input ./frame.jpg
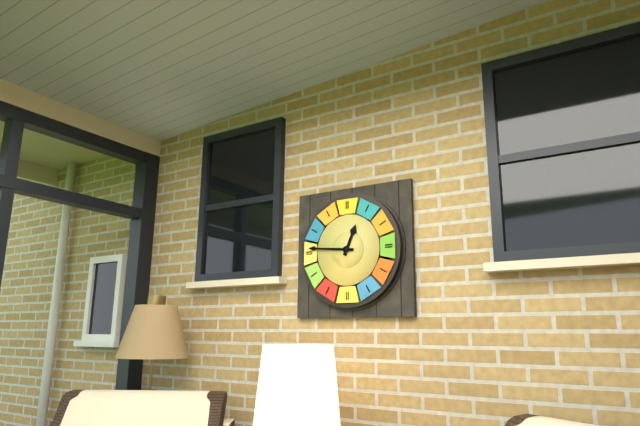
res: 12 h 46 min
